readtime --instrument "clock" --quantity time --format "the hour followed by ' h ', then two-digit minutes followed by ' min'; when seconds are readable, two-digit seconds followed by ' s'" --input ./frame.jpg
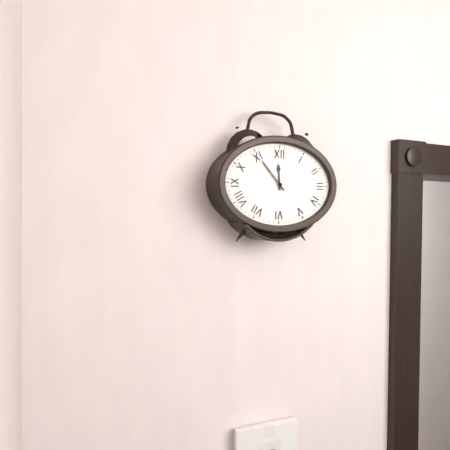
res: 11 h 53 min
